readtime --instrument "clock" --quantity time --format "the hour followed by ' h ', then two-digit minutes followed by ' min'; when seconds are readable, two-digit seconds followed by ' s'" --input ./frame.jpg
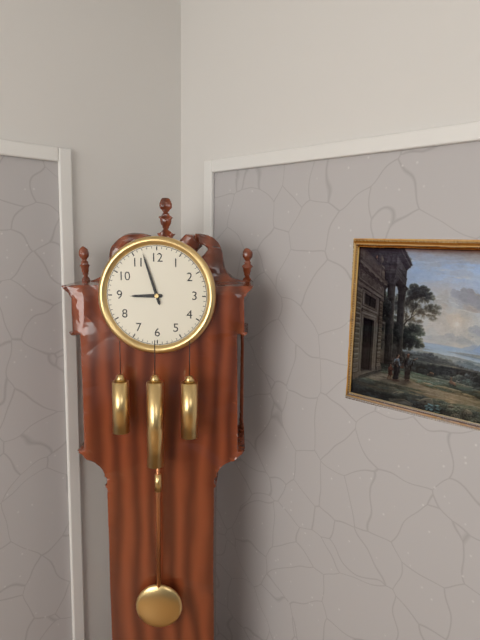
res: 8 h 57 min
